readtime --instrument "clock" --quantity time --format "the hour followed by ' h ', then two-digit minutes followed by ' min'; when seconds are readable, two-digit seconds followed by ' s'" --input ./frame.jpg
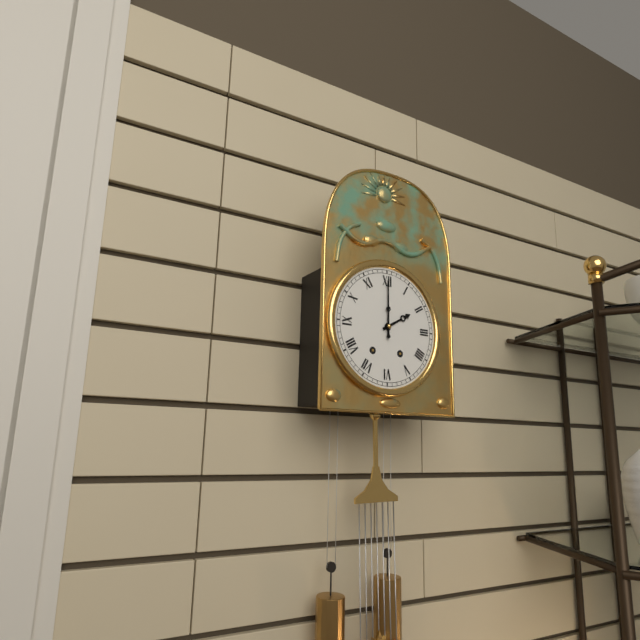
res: 2 h 00 min
